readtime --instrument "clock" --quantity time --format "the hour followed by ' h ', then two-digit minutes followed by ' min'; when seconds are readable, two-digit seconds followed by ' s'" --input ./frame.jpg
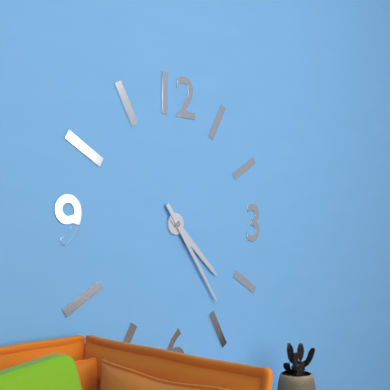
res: 4 h 24 min
